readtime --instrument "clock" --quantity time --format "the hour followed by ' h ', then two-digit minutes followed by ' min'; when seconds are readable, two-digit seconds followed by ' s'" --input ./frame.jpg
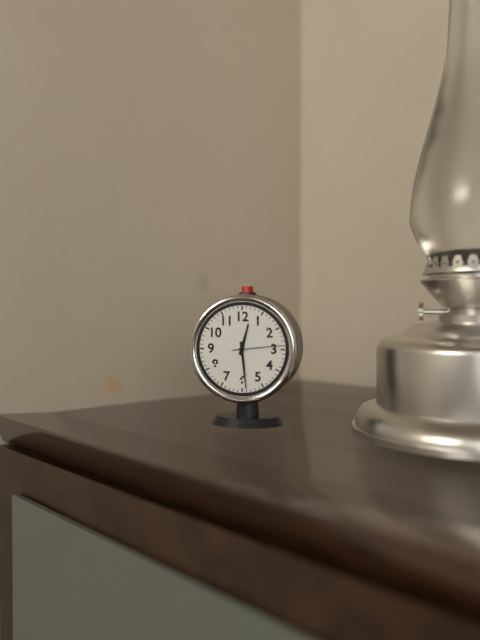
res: 12 h 29 min
